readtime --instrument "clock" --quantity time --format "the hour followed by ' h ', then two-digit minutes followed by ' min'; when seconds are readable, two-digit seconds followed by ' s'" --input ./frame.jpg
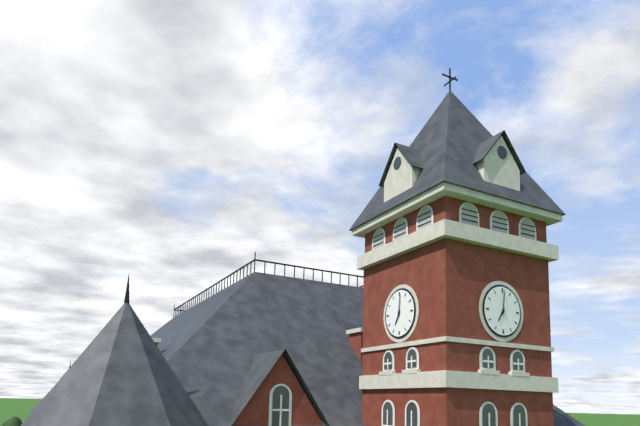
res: 7 h 01 min
